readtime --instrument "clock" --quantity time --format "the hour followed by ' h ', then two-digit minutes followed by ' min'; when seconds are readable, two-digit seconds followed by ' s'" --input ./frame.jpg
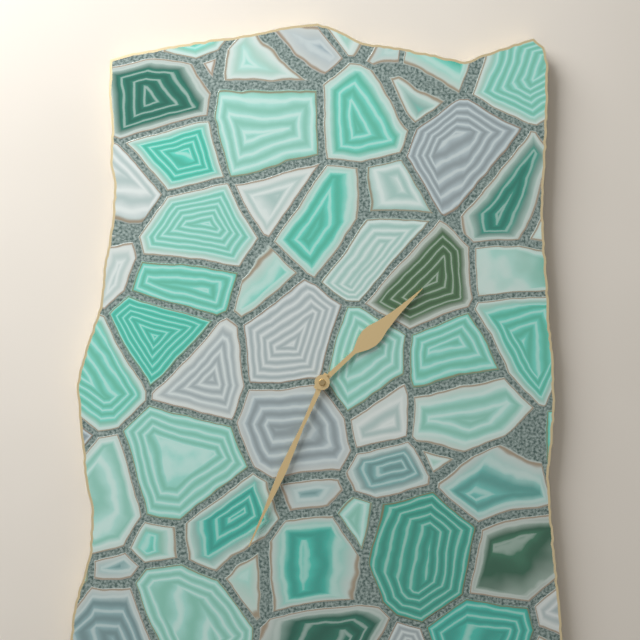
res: 1 h 34 min
